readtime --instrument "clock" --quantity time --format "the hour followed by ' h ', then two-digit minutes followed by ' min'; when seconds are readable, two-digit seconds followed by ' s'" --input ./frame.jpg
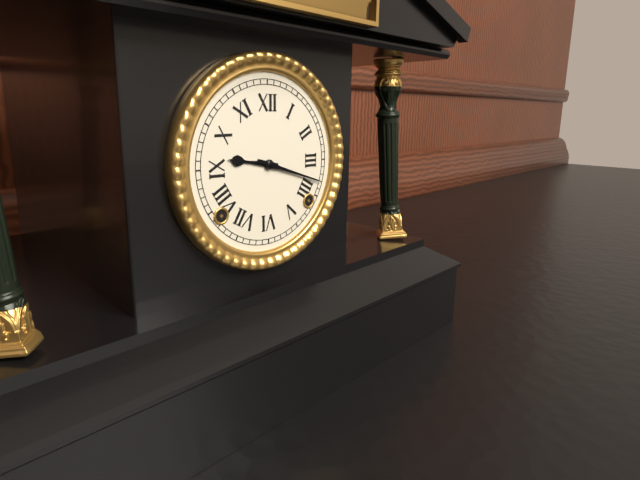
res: 9 h 18 min
